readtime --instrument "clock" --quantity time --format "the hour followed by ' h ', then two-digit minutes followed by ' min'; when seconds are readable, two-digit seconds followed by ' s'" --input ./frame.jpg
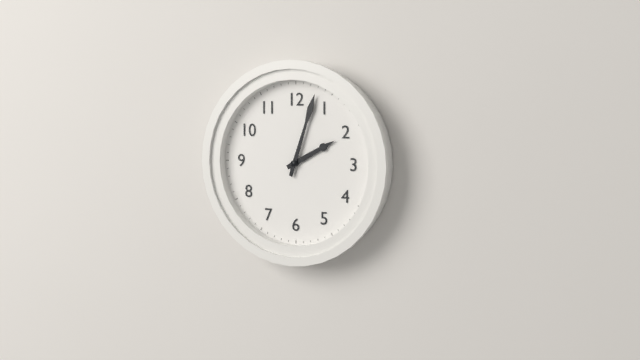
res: 2 h 03 min
